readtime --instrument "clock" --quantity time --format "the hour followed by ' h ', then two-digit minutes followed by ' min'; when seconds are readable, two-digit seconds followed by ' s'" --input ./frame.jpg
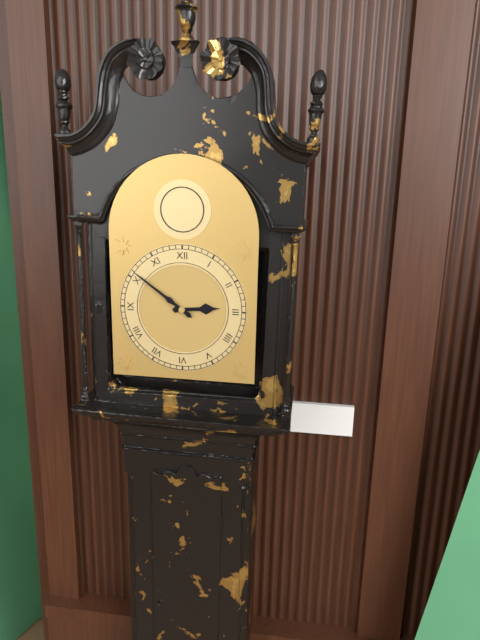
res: 2 h 51 min
